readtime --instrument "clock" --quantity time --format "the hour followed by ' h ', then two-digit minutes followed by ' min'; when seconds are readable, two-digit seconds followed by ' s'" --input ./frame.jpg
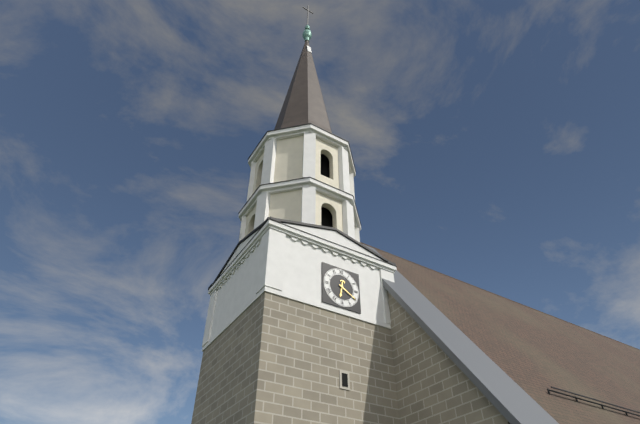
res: 6 h 20 min
